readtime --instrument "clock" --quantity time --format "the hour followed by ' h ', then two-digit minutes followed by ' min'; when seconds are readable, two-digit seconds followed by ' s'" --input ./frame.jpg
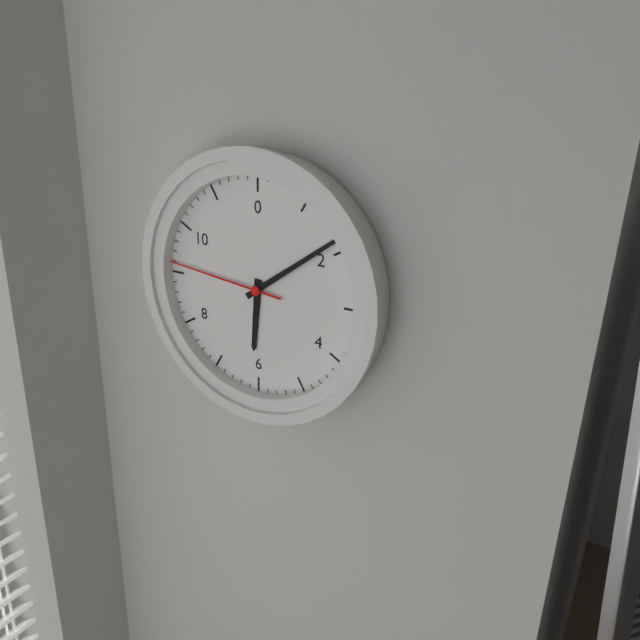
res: 6 h 09 min 46 s
